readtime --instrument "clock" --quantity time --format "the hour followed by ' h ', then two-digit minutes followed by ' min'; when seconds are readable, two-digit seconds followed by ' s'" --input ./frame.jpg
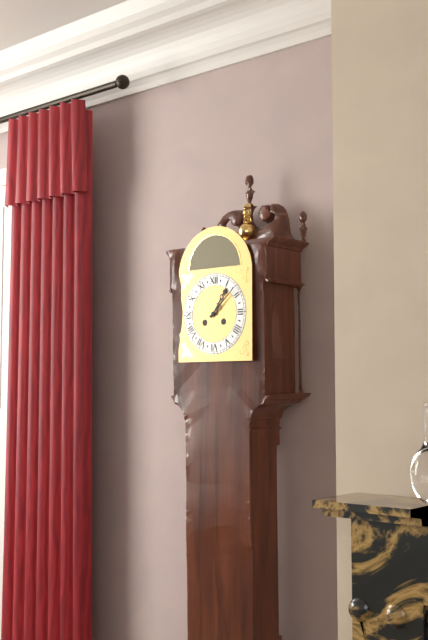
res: 1 h 08 min
